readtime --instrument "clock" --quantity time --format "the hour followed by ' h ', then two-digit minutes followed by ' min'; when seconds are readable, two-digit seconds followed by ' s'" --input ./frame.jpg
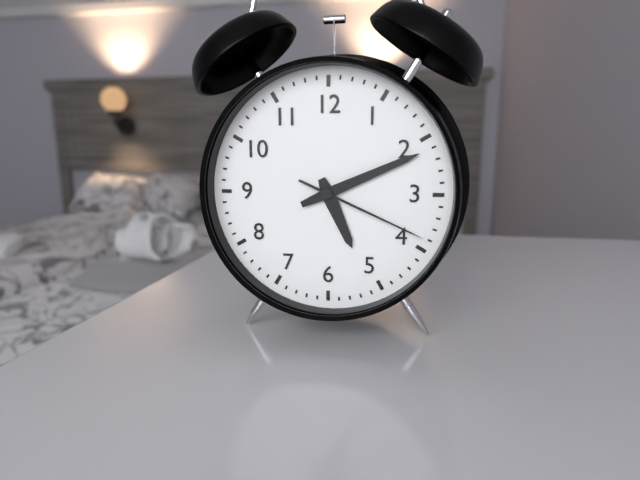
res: 5 h 11 min 19 s
